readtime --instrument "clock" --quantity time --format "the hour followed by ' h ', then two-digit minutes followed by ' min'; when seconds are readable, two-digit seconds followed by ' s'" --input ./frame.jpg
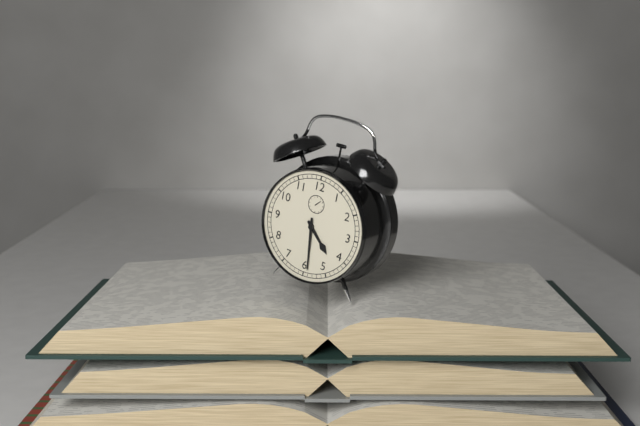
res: 4 h 29 min
